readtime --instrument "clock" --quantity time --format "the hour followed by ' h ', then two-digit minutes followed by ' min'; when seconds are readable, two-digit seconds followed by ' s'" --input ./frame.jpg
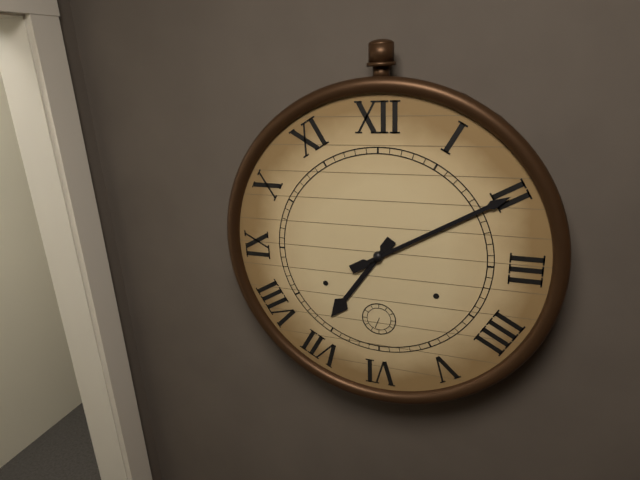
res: 7 h 10 min
